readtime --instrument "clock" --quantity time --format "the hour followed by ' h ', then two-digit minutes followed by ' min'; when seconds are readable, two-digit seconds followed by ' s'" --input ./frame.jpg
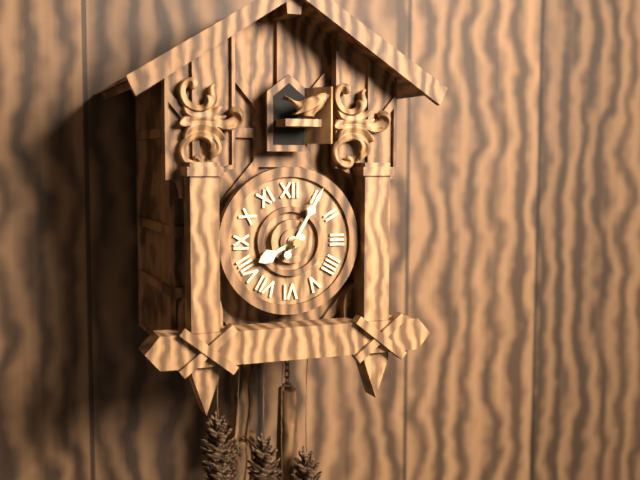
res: 8 h 05 min
